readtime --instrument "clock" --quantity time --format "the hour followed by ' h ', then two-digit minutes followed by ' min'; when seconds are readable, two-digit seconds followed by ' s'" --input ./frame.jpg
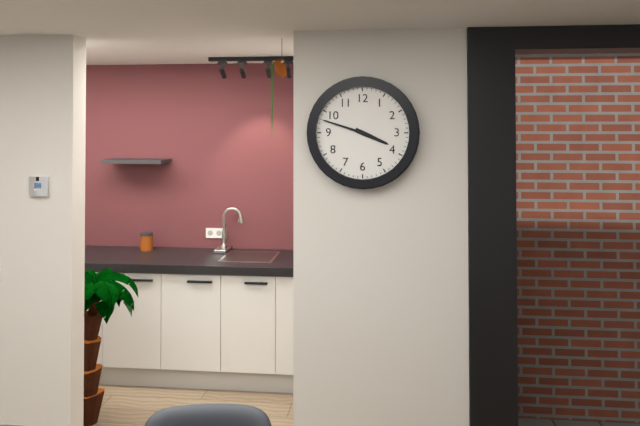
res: 3 h 48 min
